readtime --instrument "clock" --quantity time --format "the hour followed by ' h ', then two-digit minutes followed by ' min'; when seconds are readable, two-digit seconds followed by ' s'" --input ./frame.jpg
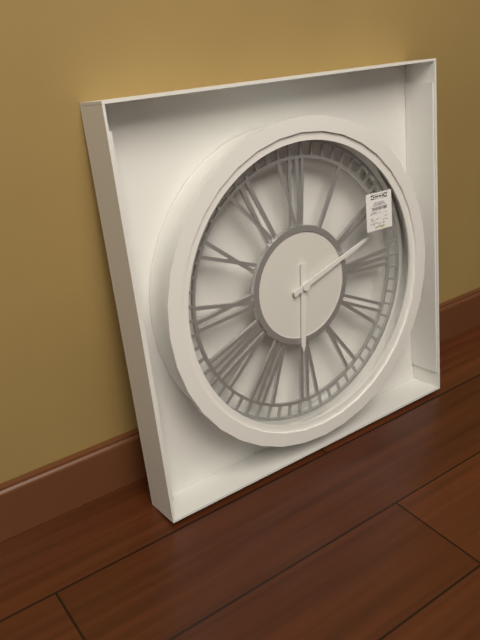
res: 6 h 12 min
